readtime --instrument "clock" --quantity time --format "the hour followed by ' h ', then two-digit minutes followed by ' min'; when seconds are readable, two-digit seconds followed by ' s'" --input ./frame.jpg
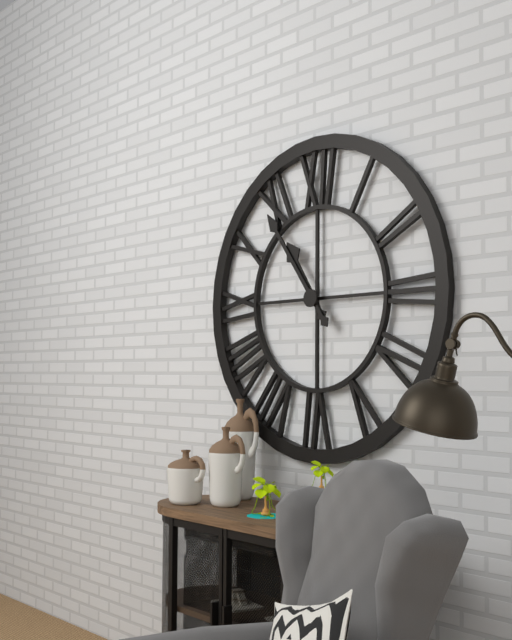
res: 10 h 54 min
